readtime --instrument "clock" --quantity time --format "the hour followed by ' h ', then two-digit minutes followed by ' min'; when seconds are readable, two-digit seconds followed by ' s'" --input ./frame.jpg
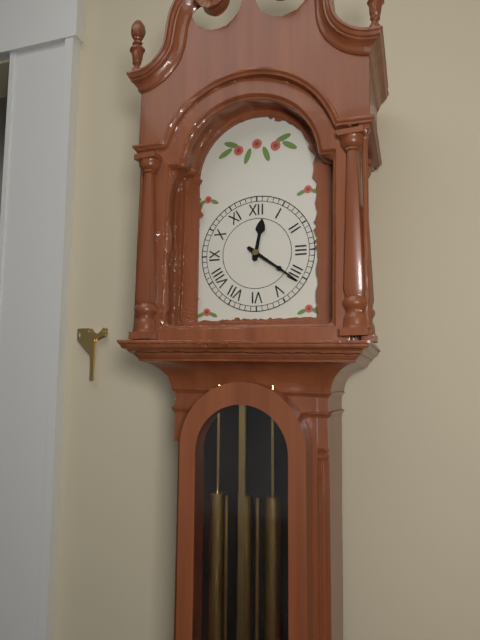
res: 12 h 21 min
